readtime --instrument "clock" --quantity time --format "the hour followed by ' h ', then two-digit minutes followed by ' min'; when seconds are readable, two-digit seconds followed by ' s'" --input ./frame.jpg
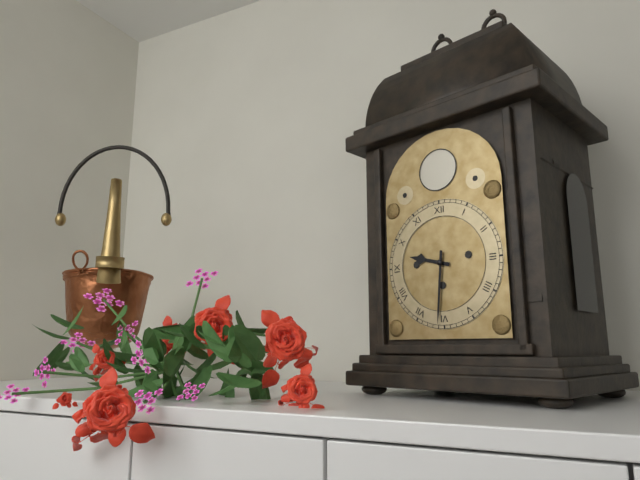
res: 9 h 31 min
